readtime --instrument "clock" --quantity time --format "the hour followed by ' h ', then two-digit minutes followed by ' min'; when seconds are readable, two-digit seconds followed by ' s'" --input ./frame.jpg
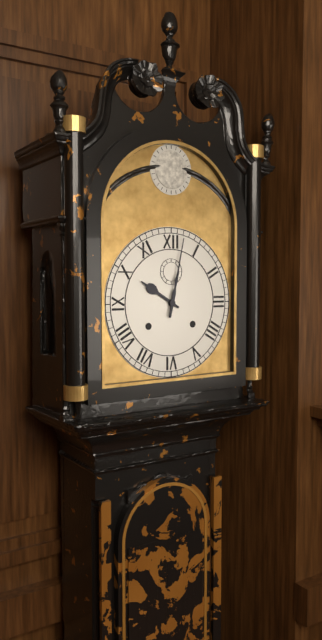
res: 10 h 02 min
